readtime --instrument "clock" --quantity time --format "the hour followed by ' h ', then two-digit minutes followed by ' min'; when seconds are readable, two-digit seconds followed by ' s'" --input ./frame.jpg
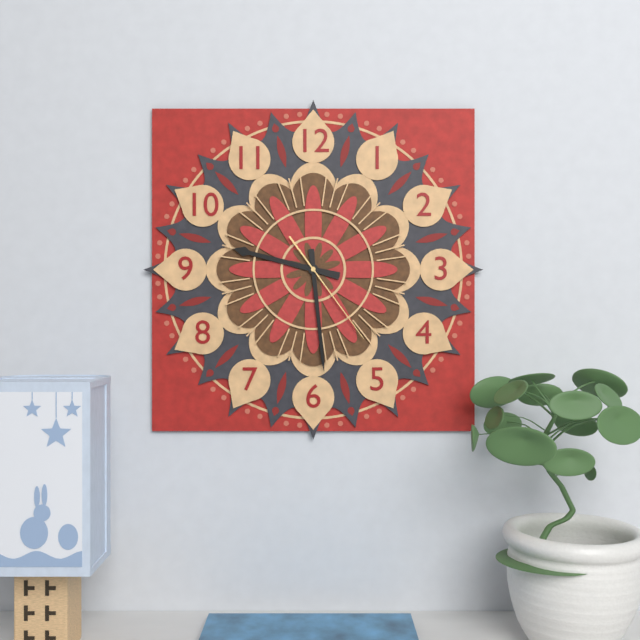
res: 9 h 29 min 24 s
